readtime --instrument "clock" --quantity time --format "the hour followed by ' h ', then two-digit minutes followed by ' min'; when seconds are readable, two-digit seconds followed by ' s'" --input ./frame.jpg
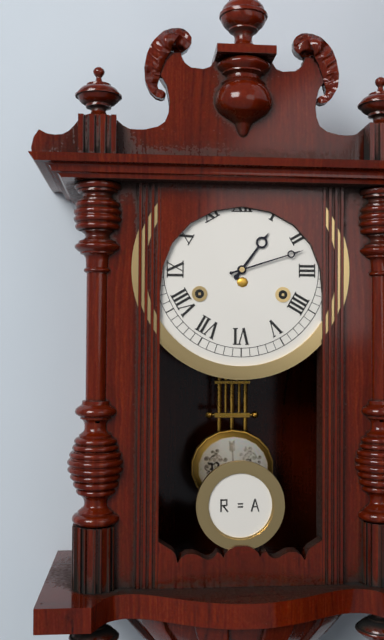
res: 1 h 12 min
